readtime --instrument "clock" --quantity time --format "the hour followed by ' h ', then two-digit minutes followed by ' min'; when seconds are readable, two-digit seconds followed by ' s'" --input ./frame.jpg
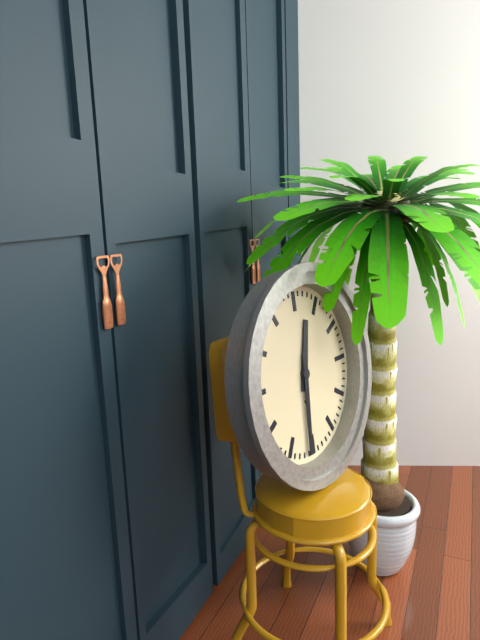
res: 12 h 31 min
